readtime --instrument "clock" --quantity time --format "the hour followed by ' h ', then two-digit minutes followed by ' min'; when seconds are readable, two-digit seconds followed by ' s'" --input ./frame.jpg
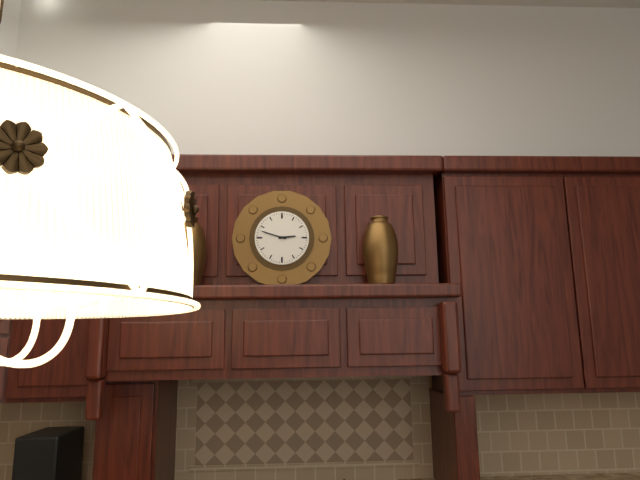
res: 2 h 48 min
